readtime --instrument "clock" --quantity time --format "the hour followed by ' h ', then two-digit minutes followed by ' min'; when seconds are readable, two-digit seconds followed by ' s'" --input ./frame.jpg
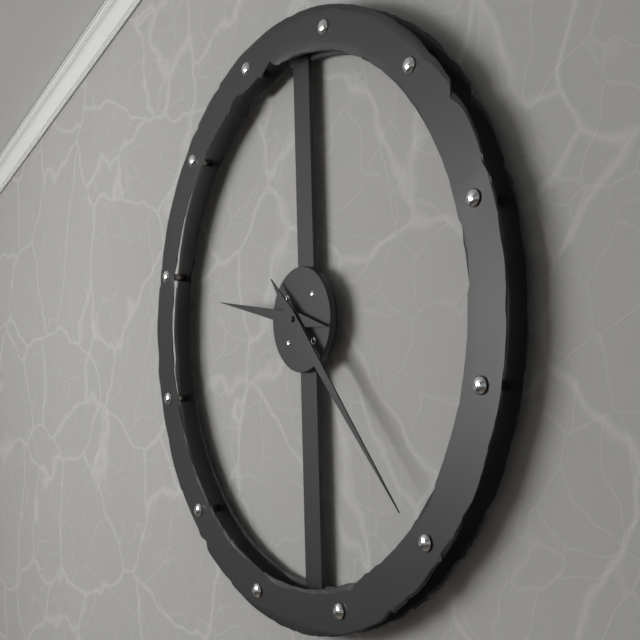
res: 9 h 23 min
